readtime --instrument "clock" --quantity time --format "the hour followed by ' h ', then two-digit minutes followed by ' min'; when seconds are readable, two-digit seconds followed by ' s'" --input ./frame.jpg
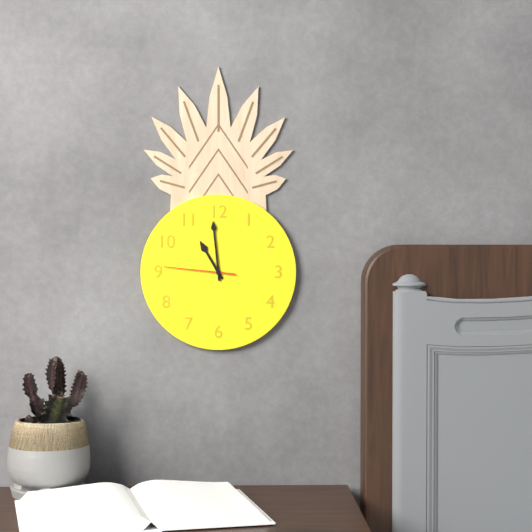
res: 10 h 59 min 46 s
